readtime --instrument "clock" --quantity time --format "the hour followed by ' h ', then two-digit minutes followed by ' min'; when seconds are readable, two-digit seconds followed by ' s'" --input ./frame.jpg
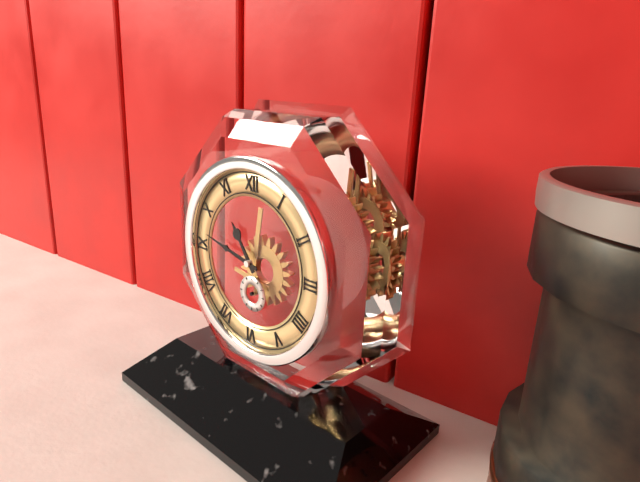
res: 10 h 47 min
